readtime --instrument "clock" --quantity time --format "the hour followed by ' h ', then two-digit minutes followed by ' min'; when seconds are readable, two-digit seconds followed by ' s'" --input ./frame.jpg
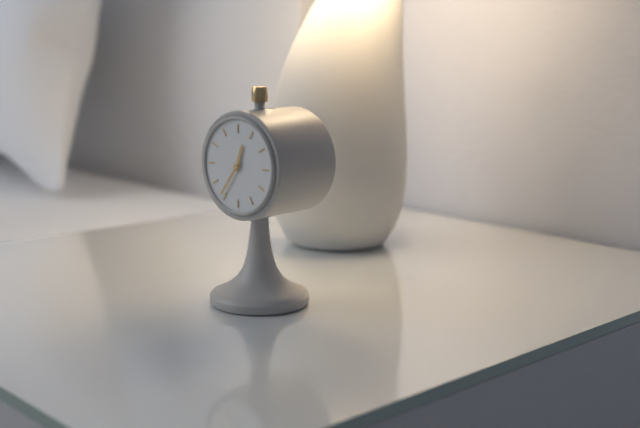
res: 12 h 36 min
